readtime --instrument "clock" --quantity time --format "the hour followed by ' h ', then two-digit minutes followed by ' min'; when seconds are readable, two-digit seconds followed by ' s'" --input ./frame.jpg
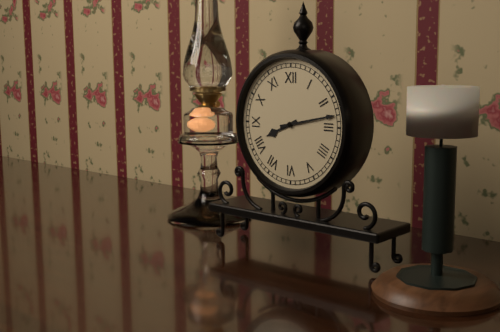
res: 8 h 13 min
